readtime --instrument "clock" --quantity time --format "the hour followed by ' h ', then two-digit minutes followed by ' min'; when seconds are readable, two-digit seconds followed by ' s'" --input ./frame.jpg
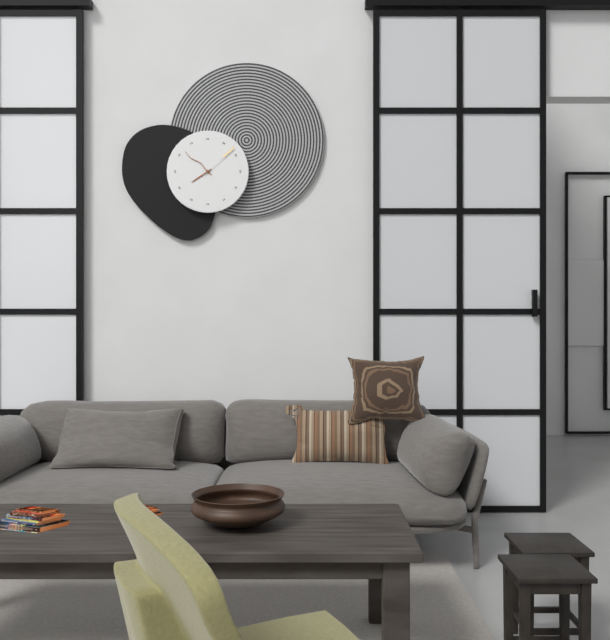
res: 7 h 52 min
